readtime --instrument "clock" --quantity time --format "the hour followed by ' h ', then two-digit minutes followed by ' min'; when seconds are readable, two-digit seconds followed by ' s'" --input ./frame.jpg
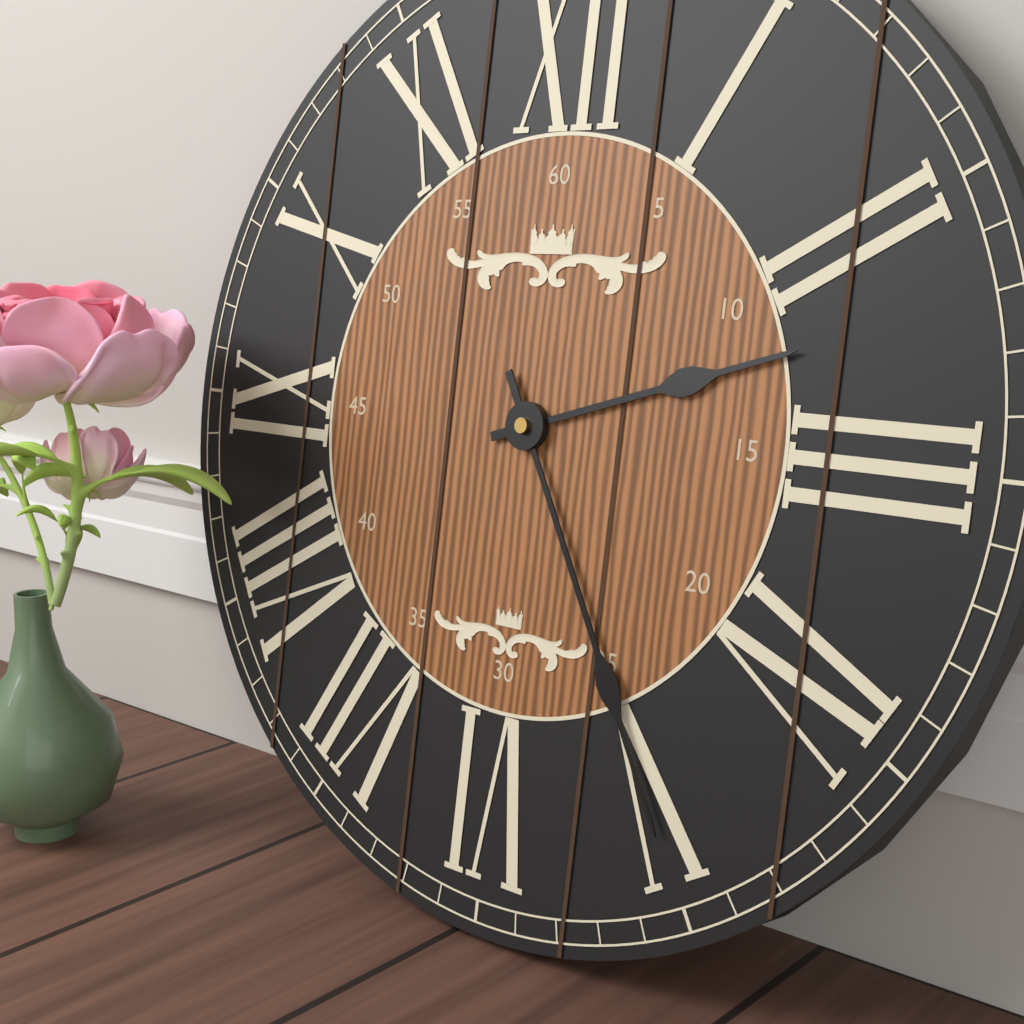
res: 2 h 25 min
